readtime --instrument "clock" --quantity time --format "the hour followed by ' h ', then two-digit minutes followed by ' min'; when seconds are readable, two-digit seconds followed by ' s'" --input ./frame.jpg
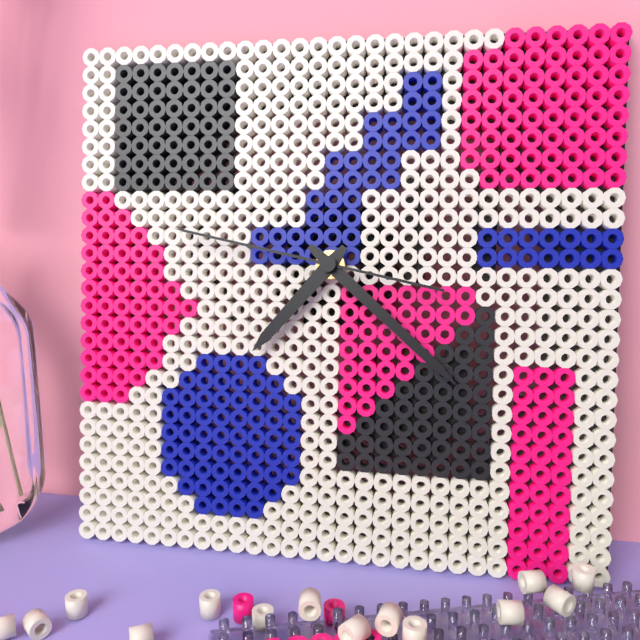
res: 7 h 22 min 47 s
